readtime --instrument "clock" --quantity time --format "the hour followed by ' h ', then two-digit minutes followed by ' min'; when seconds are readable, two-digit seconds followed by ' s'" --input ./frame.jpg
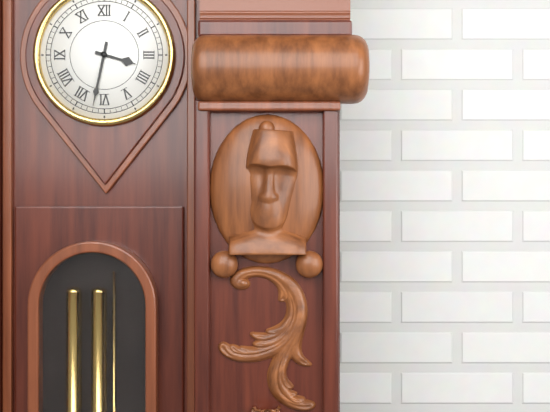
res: 3 h 32 min
